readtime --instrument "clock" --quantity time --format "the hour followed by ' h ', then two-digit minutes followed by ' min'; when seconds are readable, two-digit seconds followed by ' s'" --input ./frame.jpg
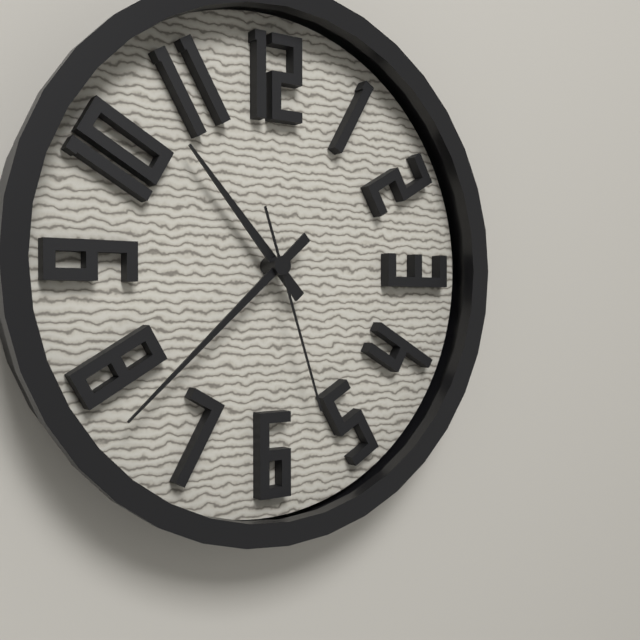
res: 10 h 38 min 27 s
